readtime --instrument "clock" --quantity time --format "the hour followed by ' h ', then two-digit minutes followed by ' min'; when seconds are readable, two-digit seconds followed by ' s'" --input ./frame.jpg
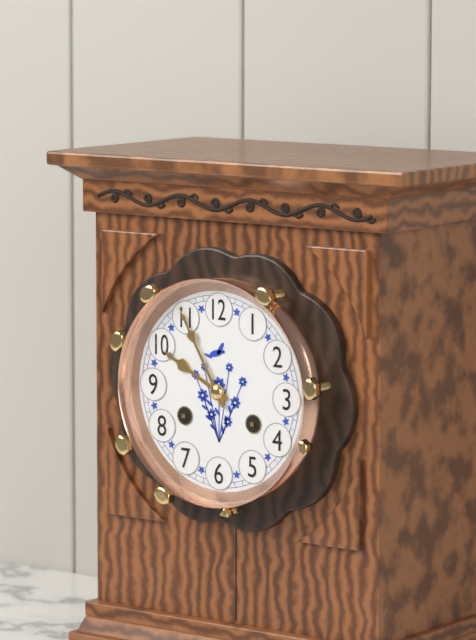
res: 9 h 55 min
